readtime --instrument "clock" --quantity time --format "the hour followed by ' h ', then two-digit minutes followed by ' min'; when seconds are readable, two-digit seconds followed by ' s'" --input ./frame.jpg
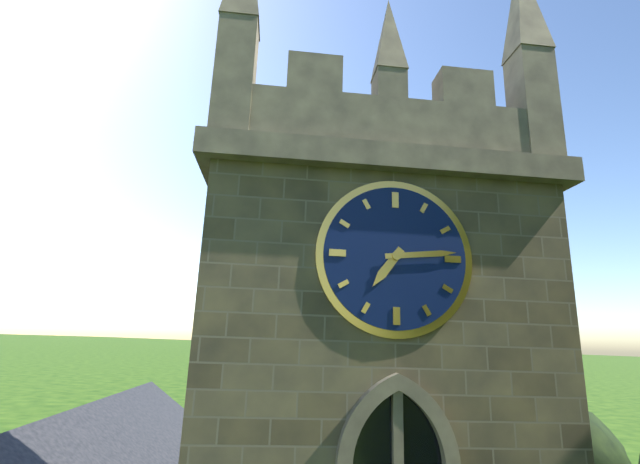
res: 7 h 14 min
